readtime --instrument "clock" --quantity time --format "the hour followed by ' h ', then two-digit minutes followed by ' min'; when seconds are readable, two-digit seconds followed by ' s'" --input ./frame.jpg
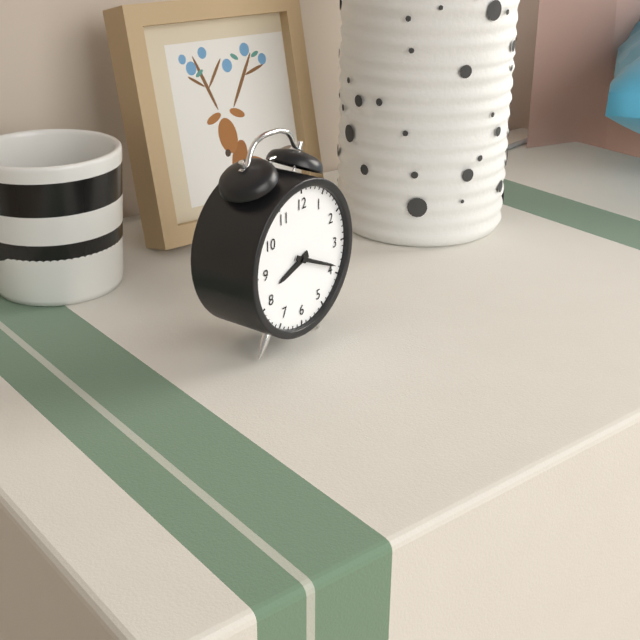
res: 8 h 19 min
